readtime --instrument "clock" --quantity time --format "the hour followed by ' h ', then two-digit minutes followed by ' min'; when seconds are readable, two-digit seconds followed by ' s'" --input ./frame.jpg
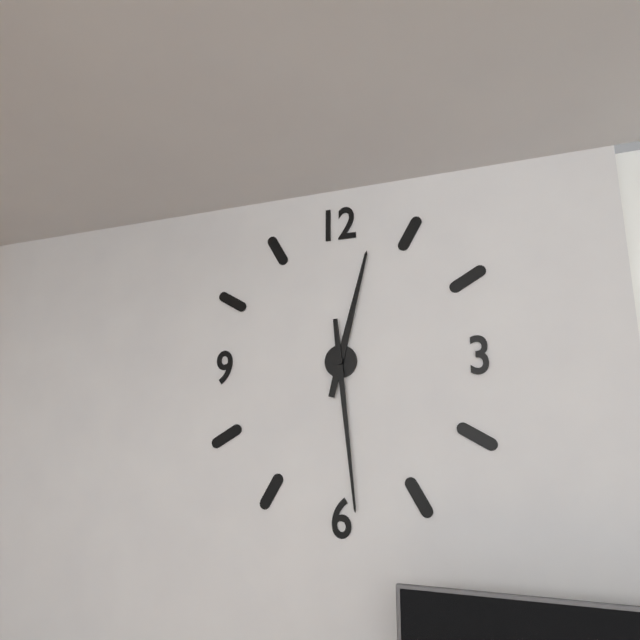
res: 12 h 29 min
